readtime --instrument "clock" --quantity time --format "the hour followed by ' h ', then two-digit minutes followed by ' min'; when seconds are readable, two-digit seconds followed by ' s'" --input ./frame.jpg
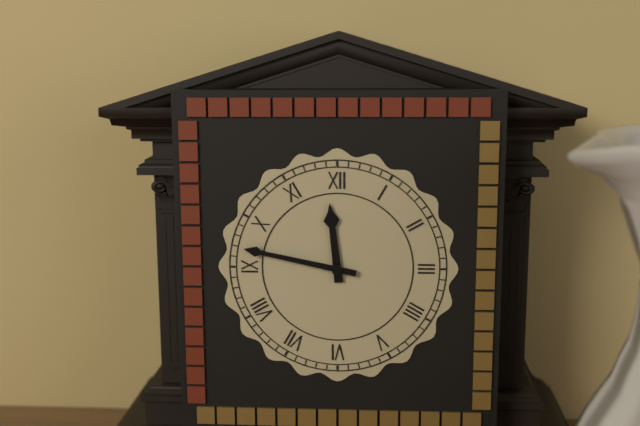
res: 11 h 47 min
